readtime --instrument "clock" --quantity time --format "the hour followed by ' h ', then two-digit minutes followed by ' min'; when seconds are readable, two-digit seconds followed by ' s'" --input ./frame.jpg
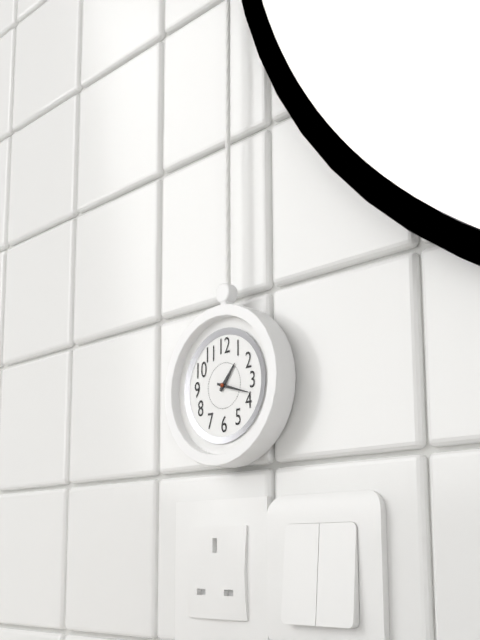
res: 1 h 18 min
